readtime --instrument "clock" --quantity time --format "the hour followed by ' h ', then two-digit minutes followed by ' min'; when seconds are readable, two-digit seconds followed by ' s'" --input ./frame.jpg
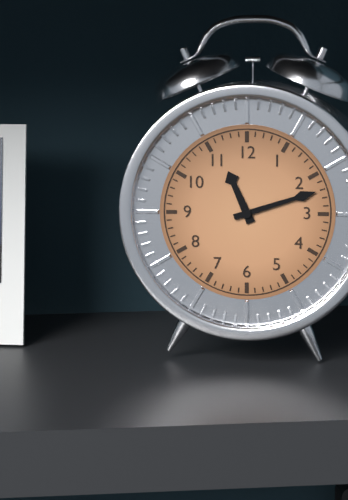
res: 11 h 12 min
